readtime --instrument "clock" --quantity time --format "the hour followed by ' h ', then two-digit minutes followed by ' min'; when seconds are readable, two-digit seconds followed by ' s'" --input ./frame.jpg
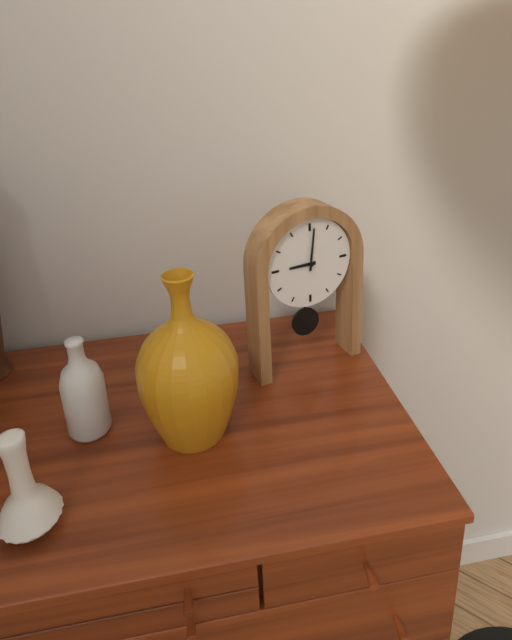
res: 9 h 01 min
